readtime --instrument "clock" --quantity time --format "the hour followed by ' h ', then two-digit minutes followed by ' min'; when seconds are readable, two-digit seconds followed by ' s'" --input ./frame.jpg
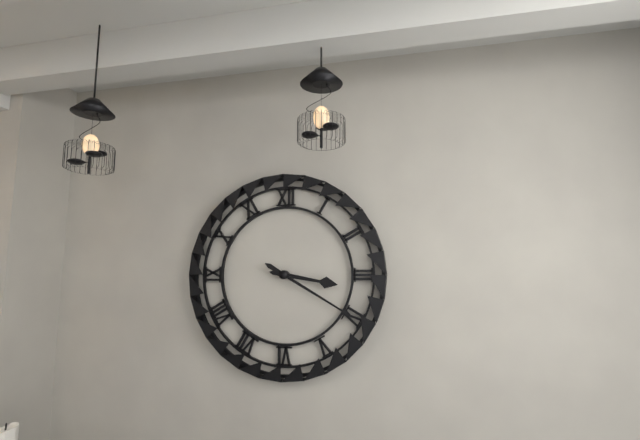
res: 3 h 20 min
